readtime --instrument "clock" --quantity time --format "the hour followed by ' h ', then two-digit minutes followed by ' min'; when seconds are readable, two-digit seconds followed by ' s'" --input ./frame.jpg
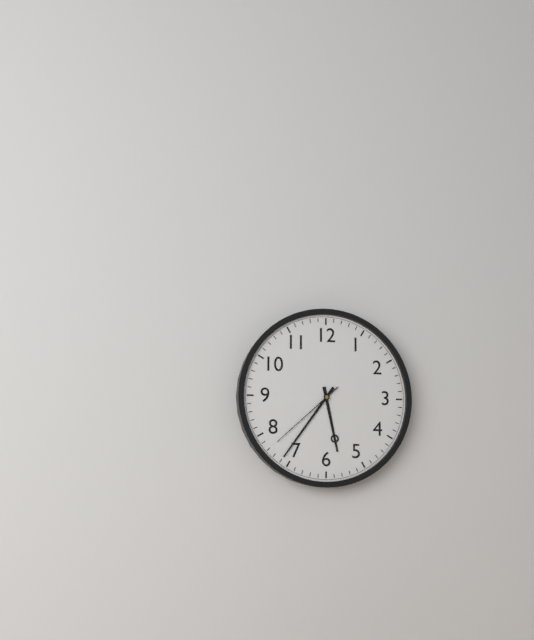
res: 5 h 36 min 38 s
